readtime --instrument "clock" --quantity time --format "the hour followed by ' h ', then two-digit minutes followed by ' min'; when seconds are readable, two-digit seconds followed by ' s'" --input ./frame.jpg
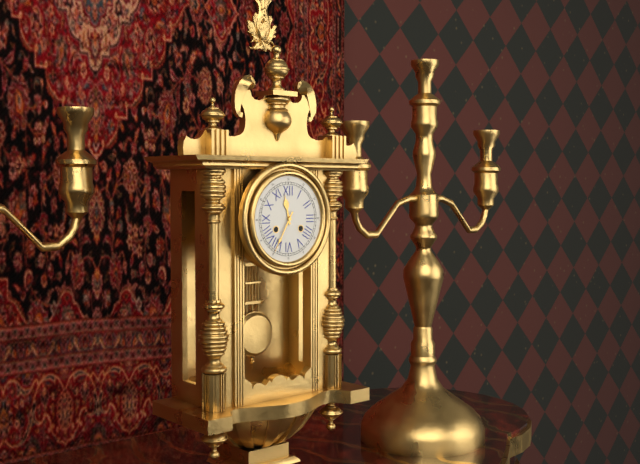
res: 11 h 35 min
